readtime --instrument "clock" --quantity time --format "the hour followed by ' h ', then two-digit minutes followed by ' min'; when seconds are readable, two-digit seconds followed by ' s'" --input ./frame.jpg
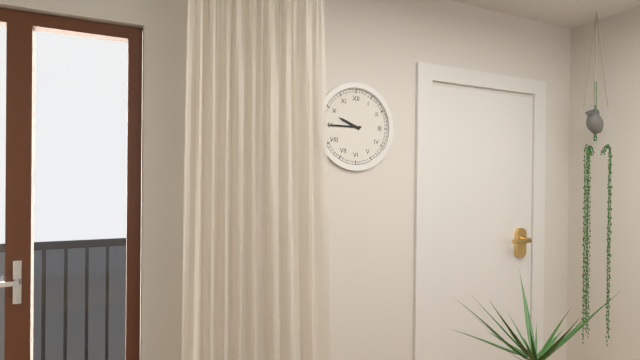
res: 9 h 45 min
